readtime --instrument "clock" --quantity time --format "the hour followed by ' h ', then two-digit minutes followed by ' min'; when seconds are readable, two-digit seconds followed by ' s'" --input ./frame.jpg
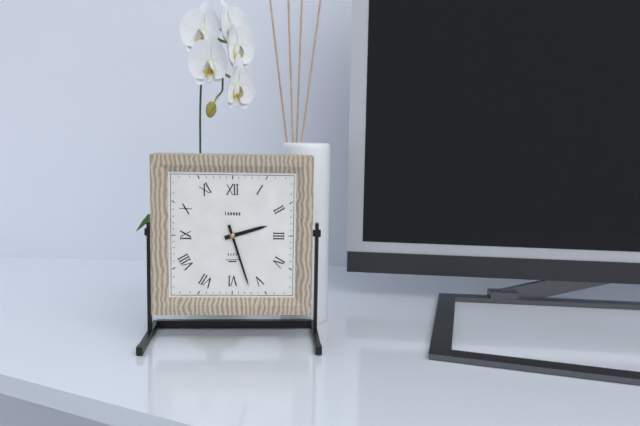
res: 2 h 27 min
